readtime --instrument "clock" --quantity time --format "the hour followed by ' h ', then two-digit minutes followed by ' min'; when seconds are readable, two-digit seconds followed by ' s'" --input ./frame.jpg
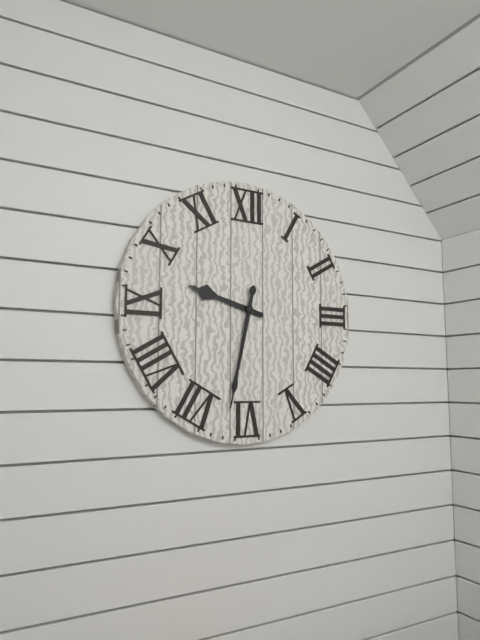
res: 9 h 32 min
